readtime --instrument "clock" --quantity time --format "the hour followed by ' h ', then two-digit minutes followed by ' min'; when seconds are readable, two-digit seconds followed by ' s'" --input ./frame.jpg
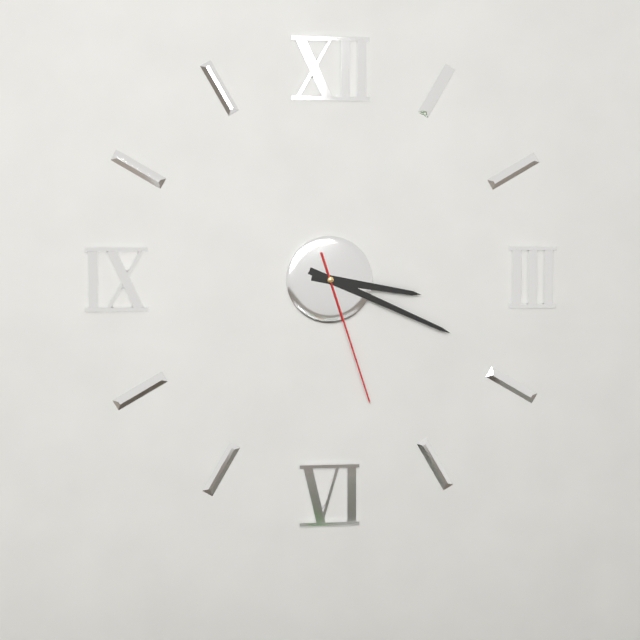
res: 3 h 19 min 27 s
